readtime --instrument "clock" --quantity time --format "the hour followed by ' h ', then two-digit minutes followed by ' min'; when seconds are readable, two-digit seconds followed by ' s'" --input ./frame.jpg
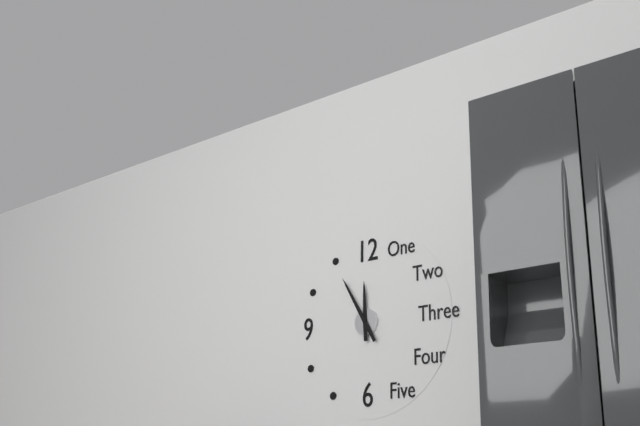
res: 11 h 55 min
